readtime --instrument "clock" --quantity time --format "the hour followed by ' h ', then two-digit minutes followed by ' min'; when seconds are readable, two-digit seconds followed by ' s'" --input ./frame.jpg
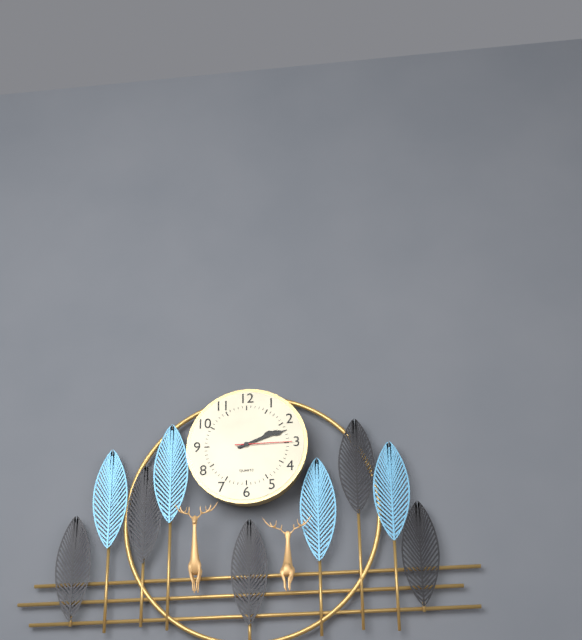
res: 2 h 12 min 15 s
